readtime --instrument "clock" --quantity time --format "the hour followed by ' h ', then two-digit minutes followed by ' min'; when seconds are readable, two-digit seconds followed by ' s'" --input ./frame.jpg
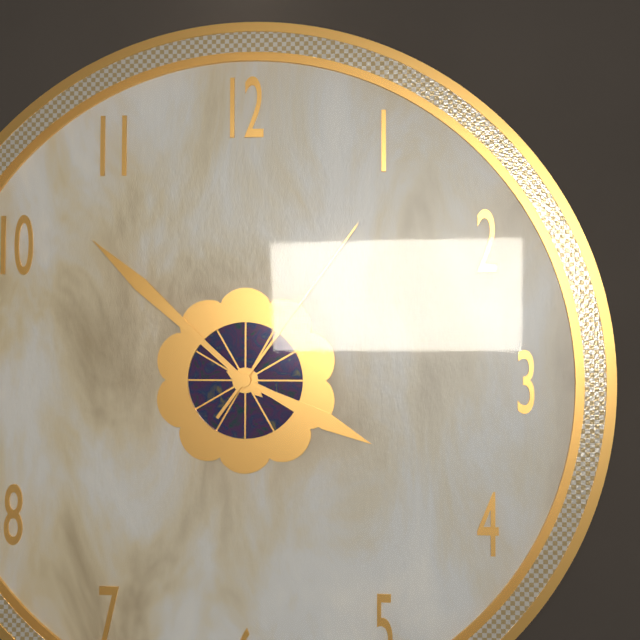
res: 3 h 52 min 06 s
